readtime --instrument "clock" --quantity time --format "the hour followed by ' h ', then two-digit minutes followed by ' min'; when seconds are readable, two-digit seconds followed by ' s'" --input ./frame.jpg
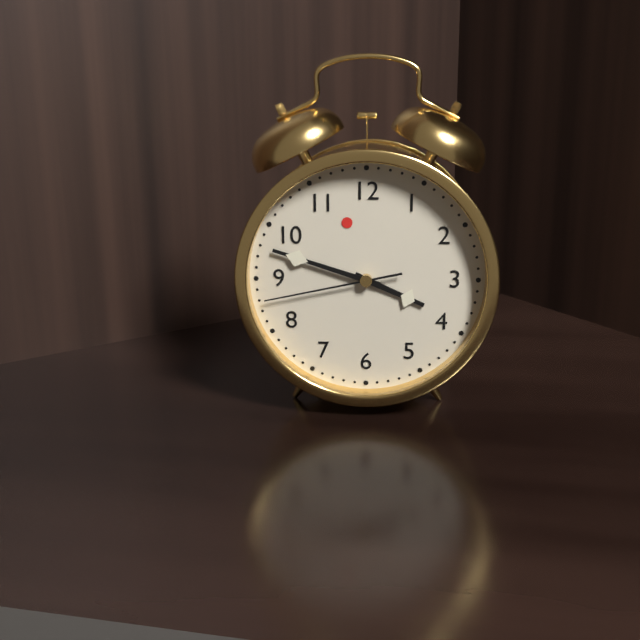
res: 3 h 48 min 43 s
